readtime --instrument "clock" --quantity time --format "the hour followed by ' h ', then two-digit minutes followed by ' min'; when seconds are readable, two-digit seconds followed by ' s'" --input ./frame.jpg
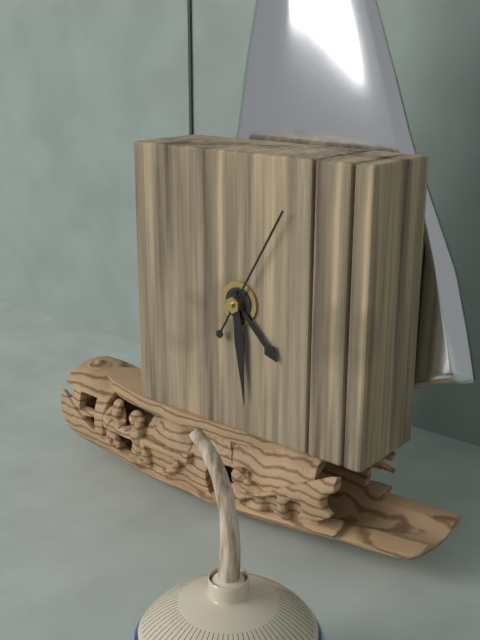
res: 4 h 29 min 05 s
